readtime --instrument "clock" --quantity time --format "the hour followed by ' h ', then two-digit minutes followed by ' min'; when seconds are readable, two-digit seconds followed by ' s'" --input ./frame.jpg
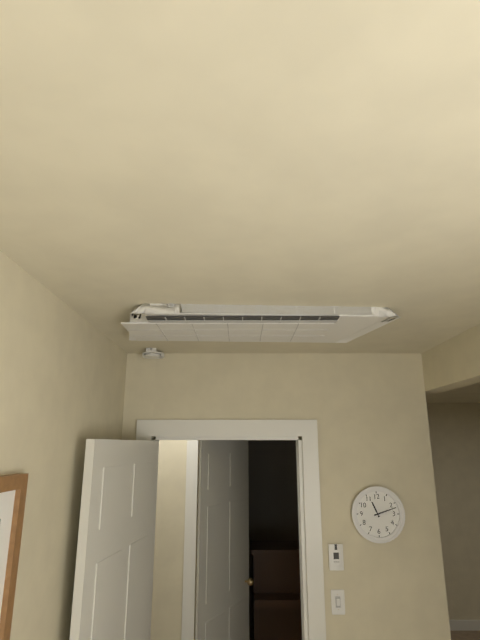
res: 11 h 12 min
